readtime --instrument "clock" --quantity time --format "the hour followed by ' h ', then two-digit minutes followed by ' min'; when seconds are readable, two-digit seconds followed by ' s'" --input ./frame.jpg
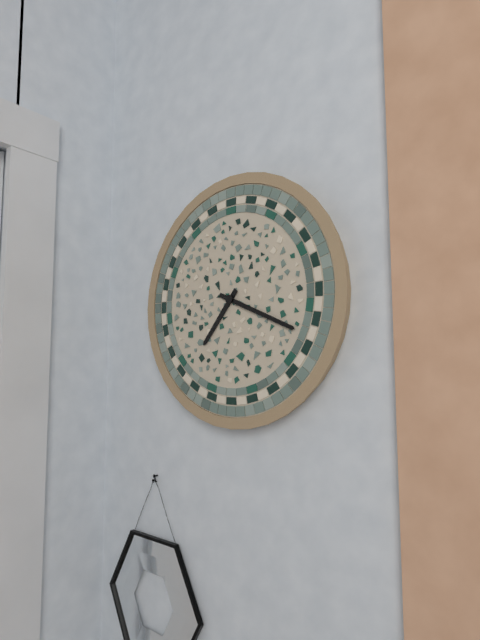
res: 7 h 19 min
